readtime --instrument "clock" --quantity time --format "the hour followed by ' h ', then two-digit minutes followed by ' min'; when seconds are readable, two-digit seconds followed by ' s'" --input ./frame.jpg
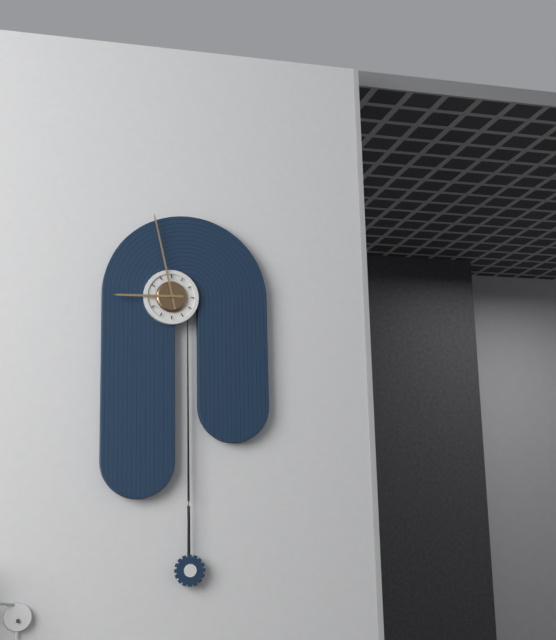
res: 8 h 58 min
